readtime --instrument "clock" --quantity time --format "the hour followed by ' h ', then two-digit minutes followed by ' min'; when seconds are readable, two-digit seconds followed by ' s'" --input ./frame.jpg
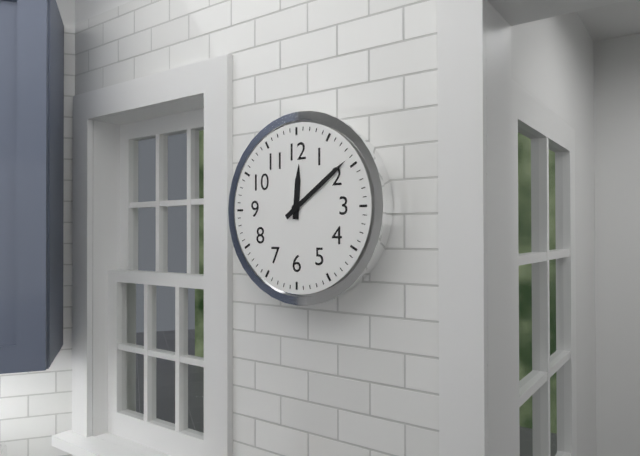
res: 12 h 09 min
